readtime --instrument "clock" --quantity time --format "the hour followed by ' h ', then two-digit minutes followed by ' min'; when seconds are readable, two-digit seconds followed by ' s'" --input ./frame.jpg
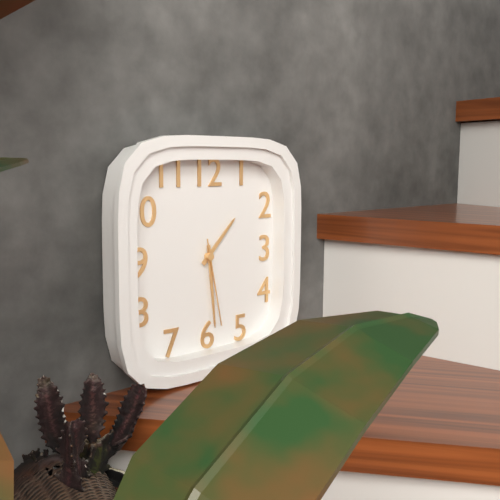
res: 1 h 29 min 28 s
